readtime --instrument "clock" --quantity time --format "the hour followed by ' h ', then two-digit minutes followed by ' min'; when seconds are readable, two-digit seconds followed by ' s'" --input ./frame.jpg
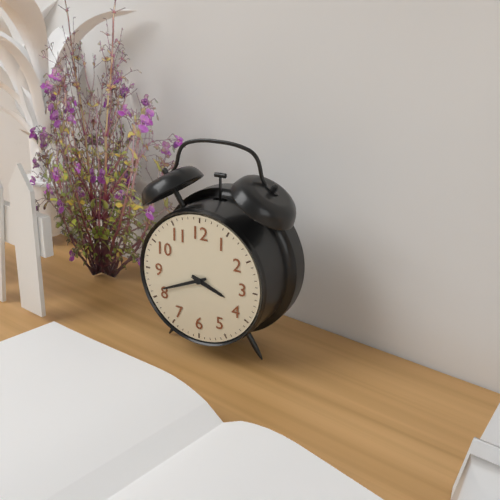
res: 3 h 41 min
